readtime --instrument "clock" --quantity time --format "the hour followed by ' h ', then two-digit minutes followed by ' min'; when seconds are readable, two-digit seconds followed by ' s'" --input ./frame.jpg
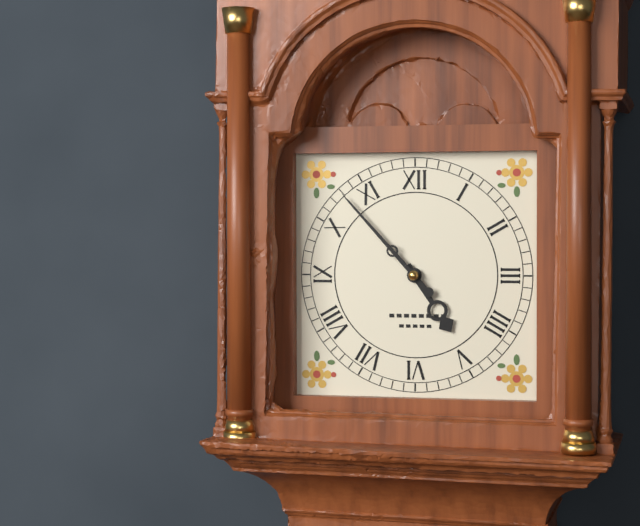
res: 4 h 53 min
